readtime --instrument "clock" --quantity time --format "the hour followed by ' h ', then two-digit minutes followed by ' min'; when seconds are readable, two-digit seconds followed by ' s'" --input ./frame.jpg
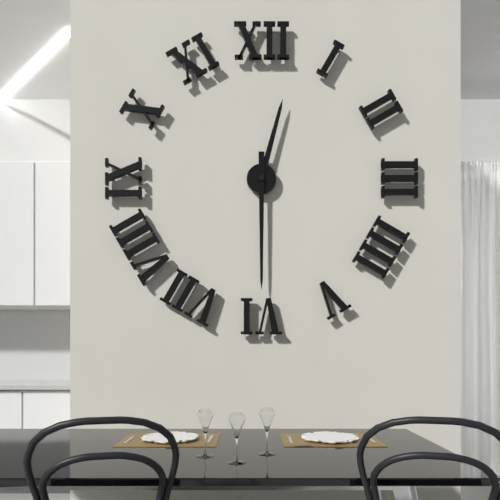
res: 12 h 30 min
